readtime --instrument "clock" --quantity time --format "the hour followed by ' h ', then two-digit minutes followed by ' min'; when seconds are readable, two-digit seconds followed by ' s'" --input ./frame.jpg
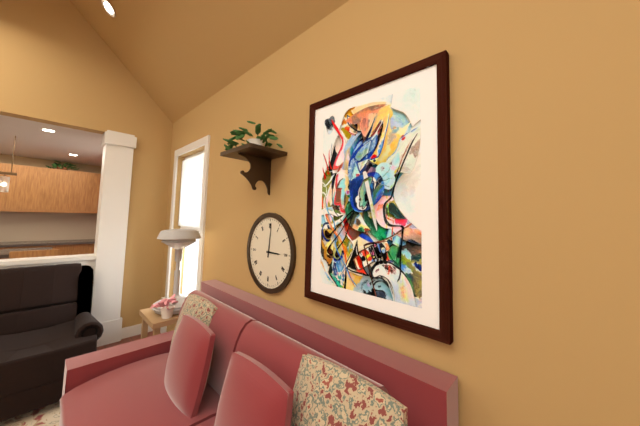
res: 3 h 01 min
